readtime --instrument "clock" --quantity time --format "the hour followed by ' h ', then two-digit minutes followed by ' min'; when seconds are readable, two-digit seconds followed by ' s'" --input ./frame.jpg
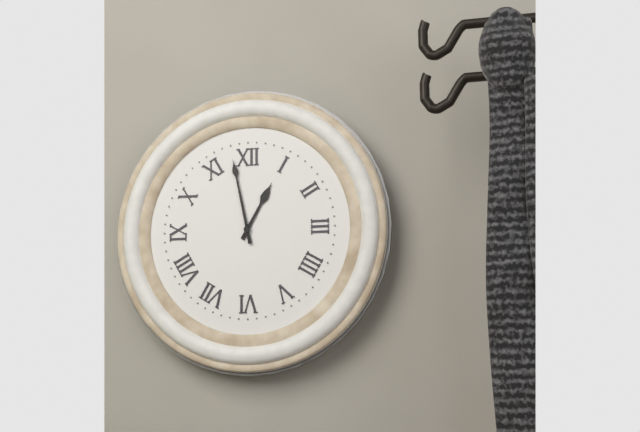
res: 12 h 58 min
